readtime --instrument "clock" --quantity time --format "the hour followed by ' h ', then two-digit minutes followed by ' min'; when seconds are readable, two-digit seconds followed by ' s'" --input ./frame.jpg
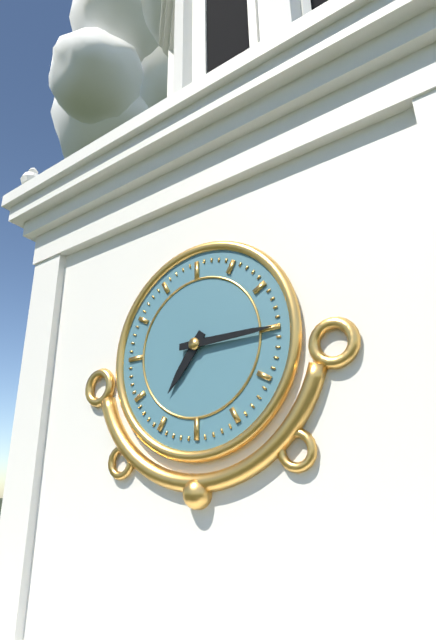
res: 7 h 15 min
